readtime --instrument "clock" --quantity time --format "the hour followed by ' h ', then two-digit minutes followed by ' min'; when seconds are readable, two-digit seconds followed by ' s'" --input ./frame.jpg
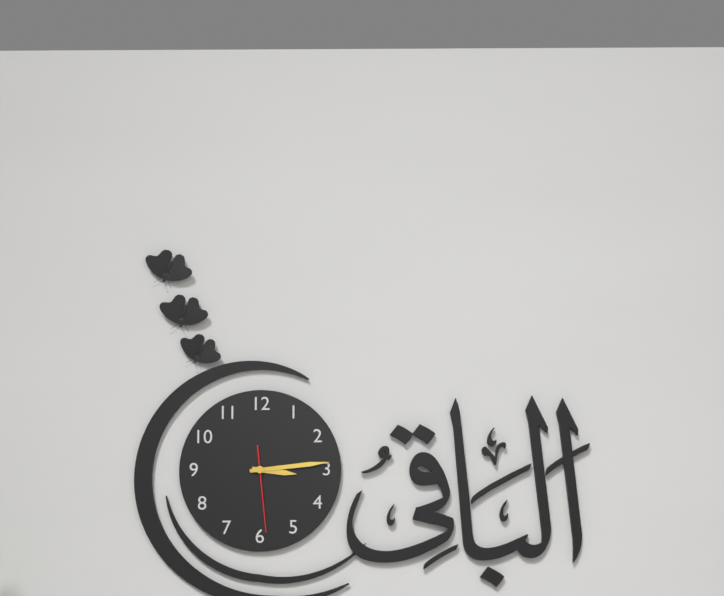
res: 3 h 14 min 29 s
